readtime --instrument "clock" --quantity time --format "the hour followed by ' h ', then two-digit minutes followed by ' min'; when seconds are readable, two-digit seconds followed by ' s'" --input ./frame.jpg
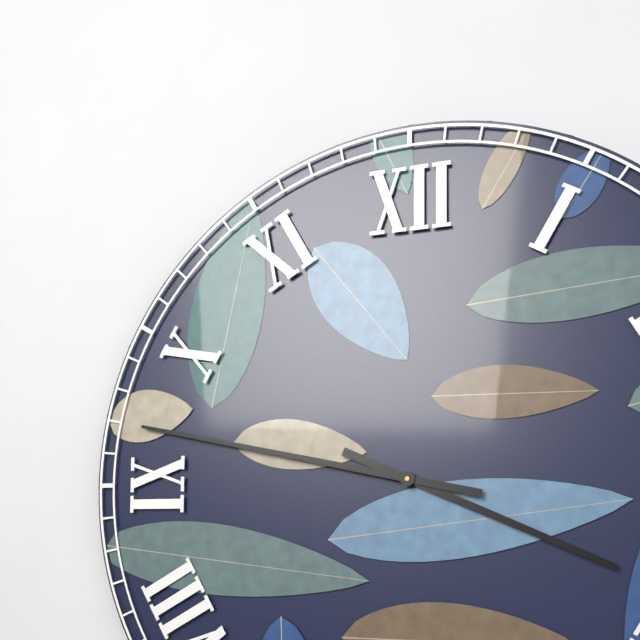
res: 3 h 47 min
